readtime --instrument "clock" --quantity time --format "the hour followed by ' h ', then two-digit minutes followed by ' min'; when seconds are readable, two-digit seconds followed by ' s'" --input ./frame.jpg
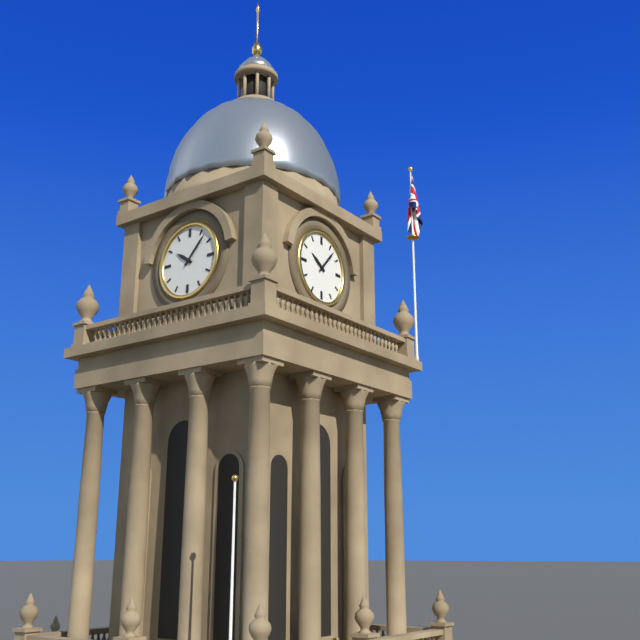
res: 10 h 07 min
